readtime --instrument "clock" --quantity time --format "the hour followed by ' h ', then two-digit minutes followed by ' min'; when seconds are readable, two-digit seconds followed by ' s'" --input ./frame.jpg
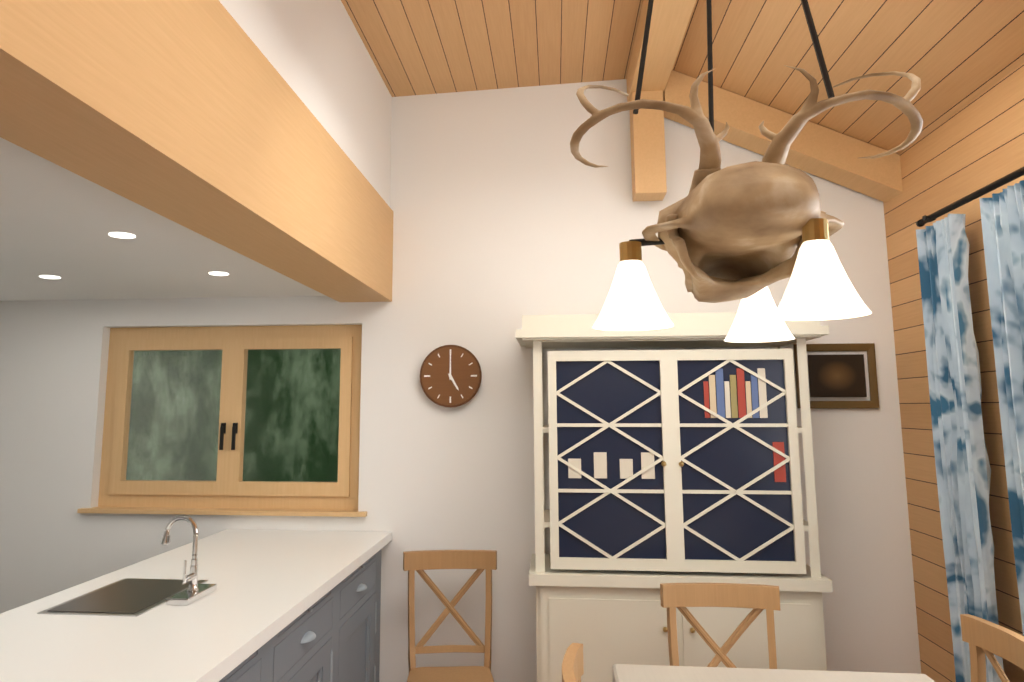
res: 5 h 00 min
